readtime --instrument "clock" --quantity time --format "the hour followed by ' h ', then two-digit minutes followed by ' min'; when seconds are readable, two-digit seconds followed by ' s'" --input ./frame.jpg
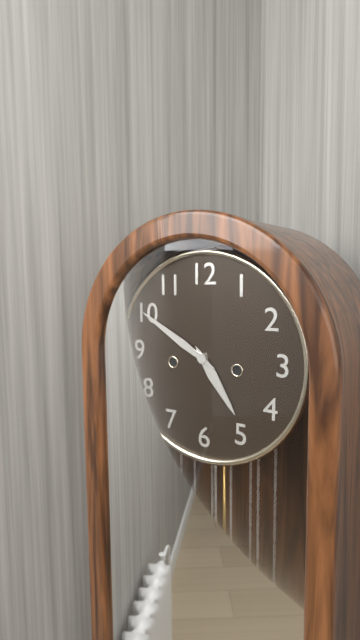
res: 4 h 50 min
